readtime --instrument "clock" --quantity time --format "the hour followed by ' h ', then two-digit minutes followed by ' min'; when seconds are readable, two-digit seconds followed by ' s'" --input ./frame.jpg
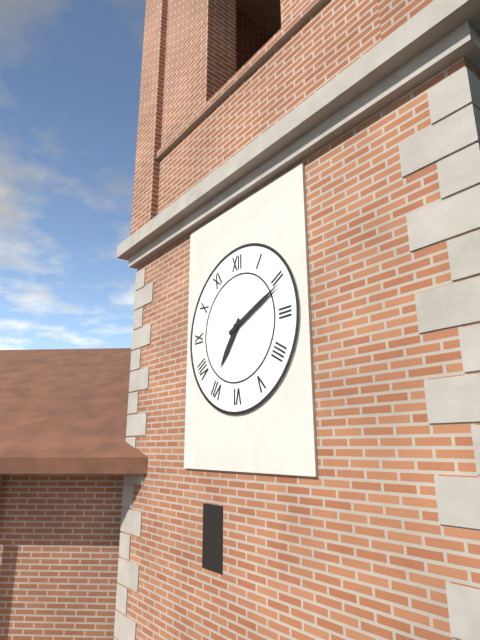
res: 7 h 11 min
